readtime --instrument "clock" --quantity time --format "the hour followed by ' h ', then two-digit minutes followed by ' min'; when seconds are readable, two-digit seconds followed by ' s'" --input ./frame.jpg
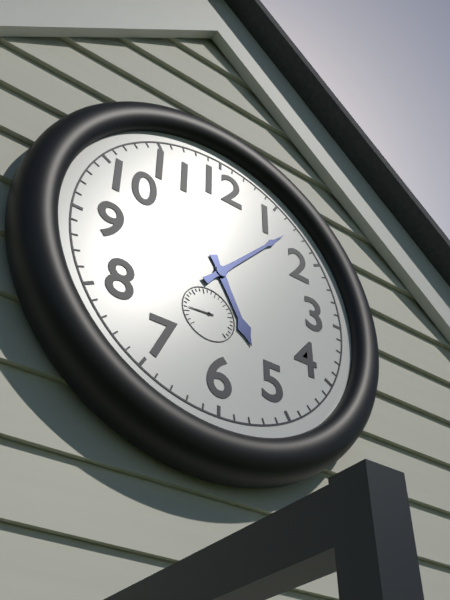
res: 5 h 07 min
